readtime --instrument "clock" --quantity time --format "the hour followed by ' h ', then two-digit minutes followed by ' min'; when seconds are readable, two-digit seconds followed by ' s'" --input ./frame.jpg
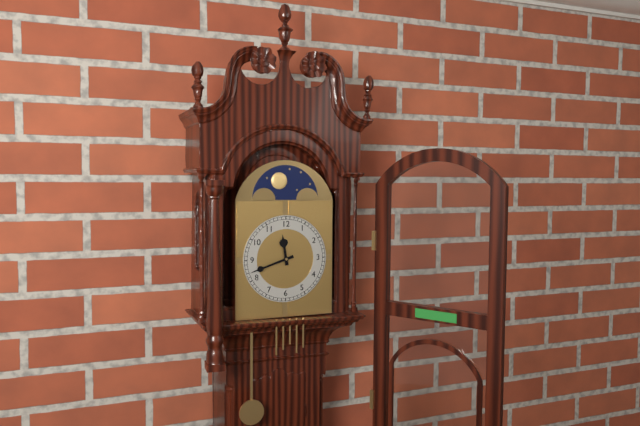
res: 11 h 42 min
